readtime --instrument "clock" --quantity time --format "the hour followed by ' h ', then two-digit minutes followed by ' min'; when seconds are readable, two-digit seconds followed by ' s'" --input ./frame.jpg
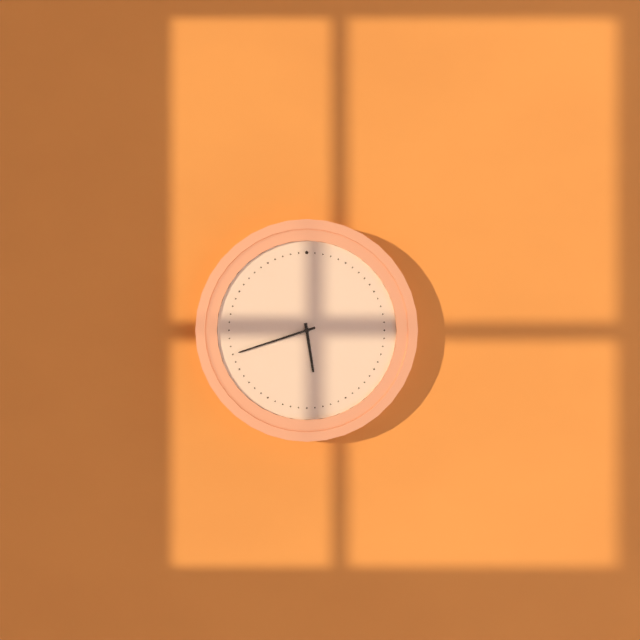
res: 5 h 42 min
